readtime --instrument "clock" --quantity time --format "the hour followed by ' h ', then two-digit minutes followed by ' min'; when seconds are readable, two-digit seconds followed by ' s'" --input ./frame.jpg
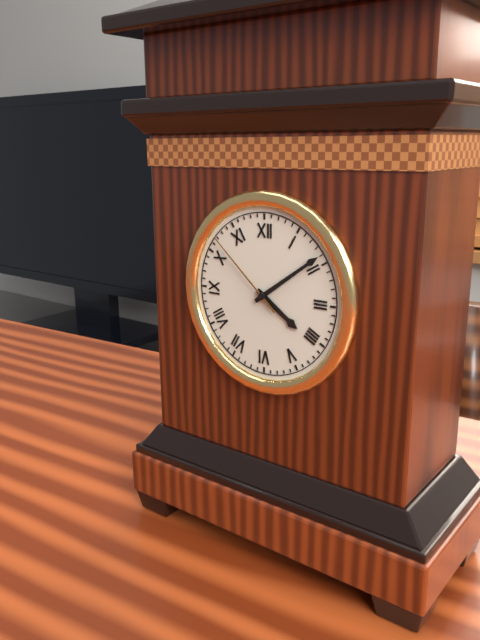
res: 4 h 09 min 52 s
